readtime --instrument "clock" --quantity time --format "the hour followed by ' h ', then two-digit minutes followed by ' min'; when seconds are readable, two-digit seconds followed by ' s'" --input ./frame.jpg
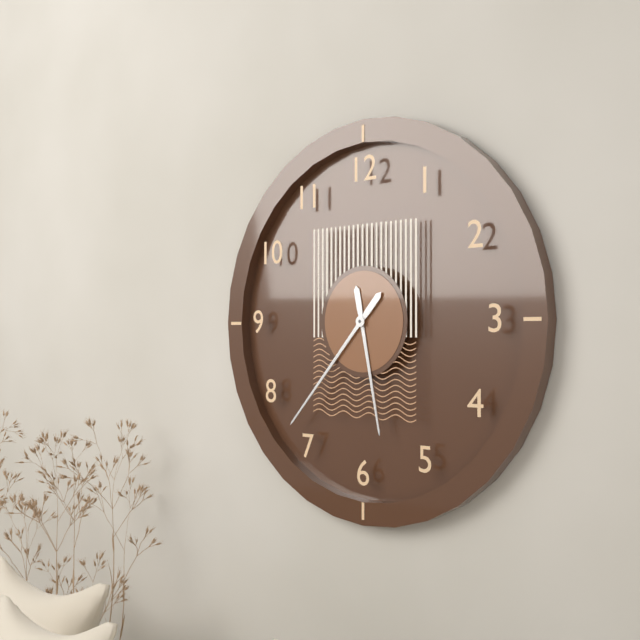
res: 5 h 37 min
